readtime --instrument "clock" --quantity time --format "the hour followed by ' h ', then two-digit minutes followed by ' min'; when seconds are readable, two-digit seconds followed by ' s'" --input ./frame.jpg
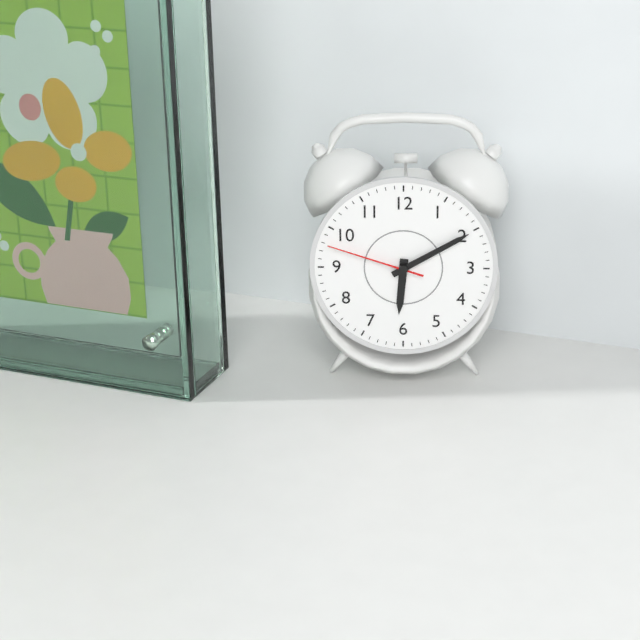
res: 6 h 10 min 48 s
